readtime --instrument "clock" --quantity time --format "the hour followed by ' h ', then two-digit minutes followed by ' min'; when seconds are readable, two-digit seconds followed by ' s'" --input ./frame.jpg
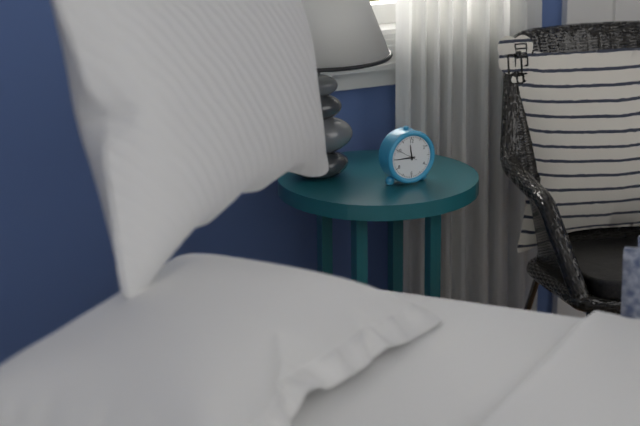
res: 11 h 45 min
